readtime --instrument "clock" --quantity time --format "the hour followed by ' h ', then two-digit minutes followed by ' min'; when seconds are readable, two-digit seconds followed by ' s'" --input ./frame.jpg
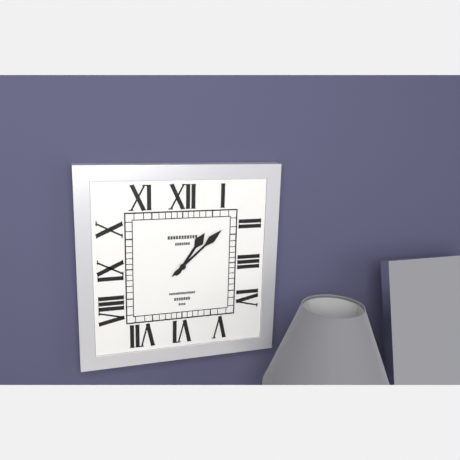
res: 1 h 08 min
